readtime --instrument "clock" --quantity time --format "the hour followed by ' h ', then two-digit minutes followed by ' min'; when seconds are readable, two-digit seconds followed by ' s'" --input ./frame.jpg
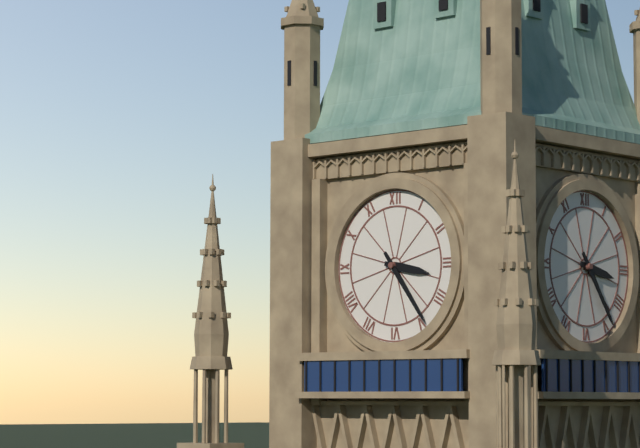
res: 3 h 24 min
